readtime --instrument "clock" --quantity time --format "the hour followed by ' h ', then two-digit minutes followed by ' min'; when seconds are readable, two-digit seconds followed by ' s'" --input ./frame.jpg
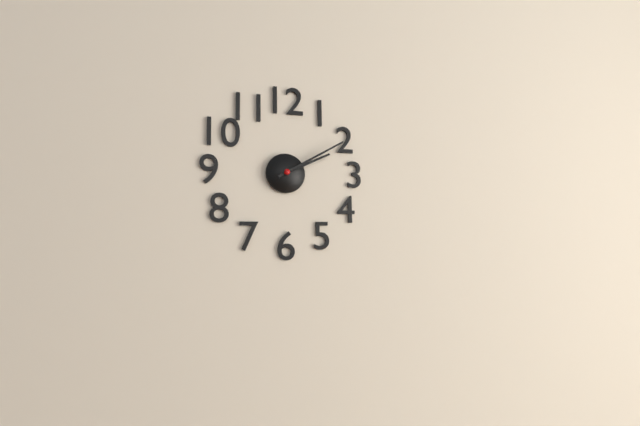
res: 2 h 10 min
